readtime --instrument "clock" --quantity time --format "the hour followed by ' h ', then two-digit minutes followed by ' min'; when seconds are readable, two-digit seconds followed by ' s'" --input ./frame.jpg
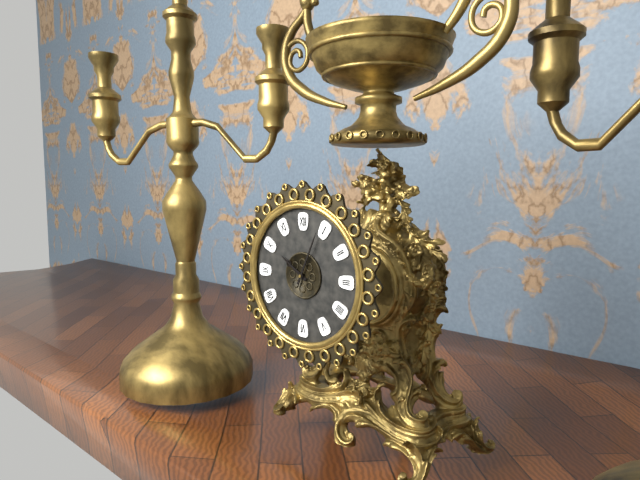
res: 10 h 04 min
